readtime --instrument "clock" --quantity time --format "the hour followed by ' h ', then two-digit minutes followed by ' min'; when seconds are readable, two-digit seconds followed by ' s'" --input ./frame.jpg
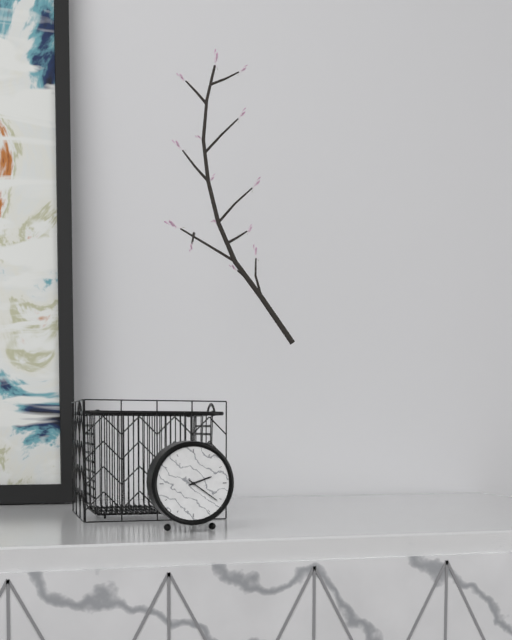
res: 2 h 21 min
